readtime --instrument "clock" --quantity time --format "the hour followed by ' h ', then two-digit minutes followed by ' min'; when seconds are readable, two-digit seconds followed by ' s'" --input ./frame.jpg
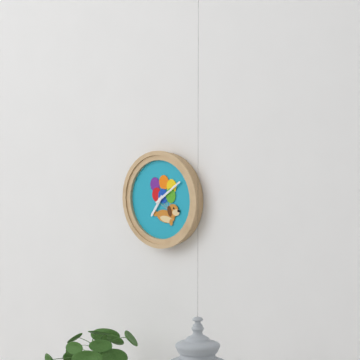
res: 7 h 09 min
